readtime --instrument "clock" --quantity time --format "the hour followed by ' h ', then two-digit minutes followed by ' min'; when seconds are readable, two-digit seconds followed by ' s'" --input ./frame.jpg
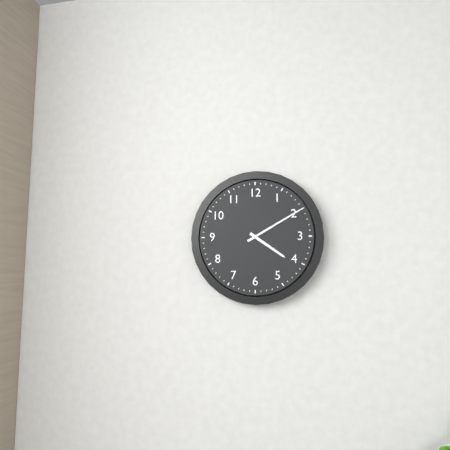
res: 4 h 10 min
